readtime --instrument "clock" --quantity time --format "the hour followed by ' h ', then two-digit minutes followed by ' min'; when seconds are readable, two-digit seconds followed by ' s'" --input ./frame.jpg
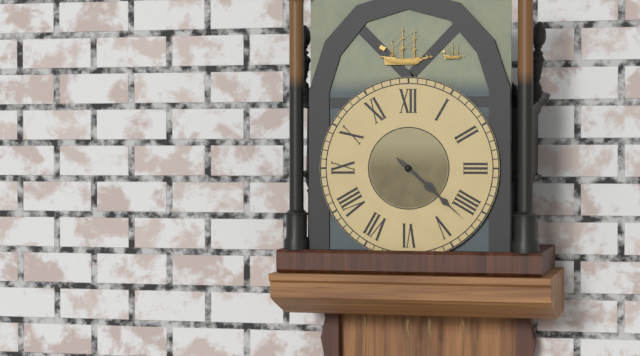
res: 4 h 22 min
